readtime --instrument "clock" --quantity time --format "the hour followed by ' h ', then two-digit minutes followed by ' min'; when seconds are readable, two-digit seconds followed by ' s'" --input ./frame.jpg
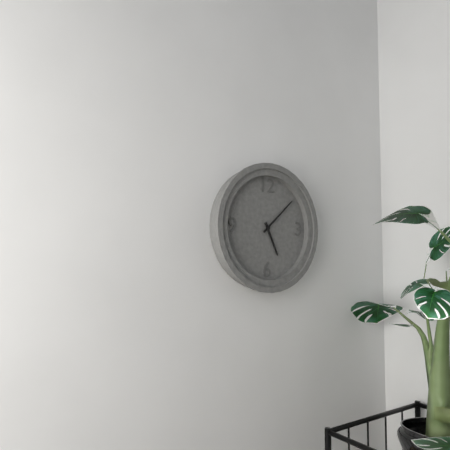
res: 5 h 08 min
